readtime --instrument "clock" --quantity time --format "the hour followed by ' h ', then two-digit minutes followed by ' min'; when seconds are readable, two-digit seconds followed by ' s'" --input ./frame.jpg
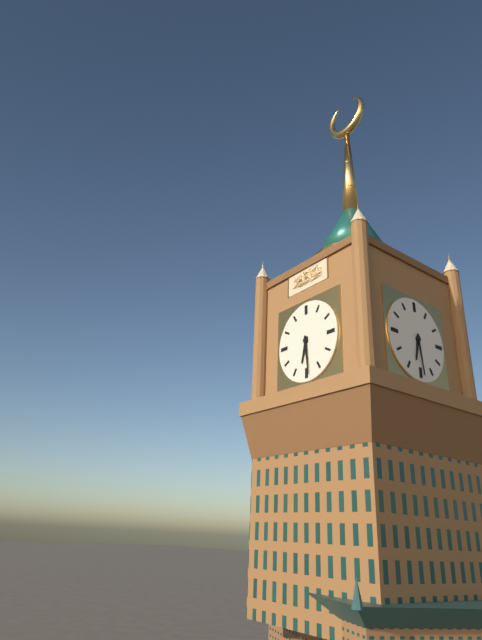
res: 6 h 29 min
